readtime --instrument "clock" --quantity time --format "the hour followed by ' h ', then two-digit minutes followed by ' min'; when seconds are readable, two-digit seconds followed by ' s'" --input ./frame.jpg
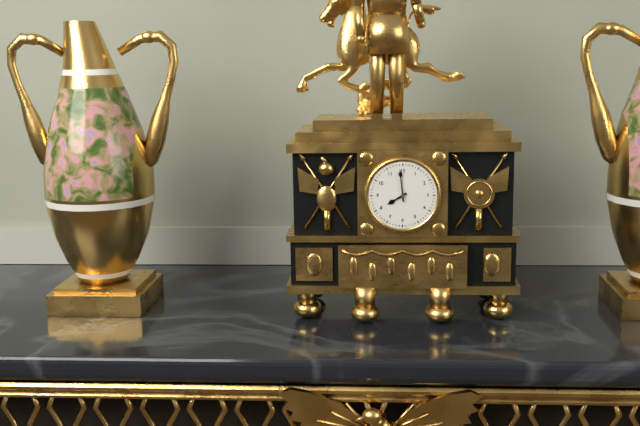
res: 7 h 59 min
